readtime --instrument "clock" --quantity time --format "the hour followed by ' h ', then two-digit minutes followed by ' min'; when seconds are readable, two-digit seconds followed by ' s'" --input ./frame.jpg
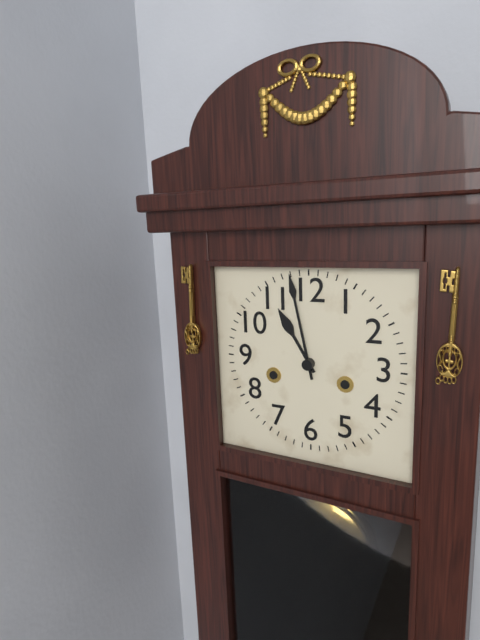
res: 10 h 58 min
